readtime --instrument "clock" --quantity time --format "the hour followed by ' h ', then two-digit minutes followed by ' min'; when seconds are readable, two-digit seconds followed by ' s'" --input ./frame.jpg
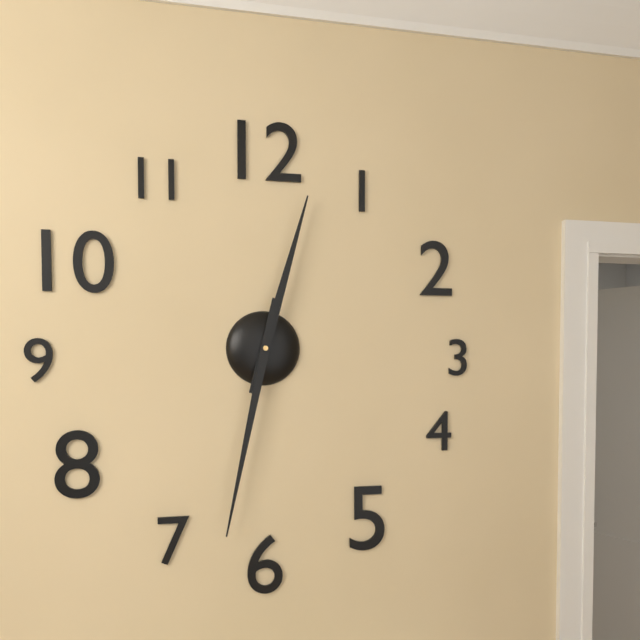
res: 12 h 32 min
